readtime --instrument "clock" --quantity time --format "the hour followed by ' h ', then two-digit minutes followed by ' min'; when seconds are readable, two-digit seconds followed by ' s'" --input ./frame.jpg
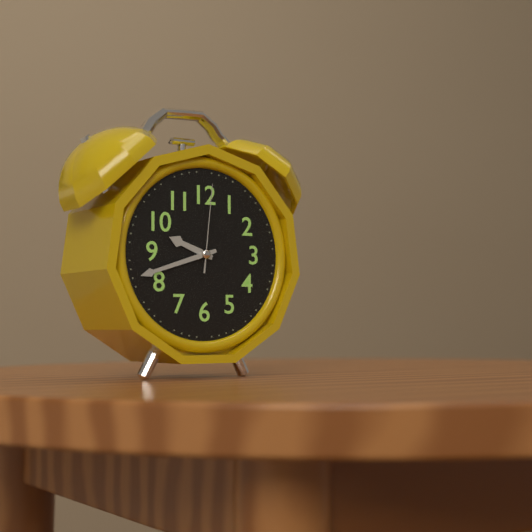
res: 9 h 42 min 01 s
